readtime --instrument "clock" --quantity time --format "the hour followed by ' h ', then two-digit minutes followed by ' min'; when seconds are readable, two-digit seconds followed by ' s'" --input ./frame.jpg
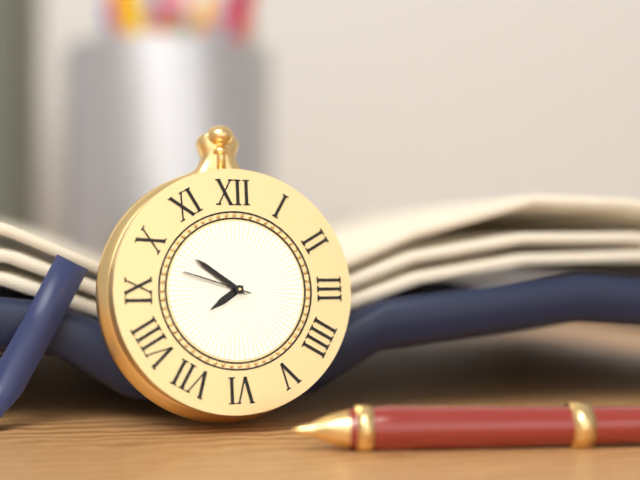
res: 7 h 51 min 48 s
